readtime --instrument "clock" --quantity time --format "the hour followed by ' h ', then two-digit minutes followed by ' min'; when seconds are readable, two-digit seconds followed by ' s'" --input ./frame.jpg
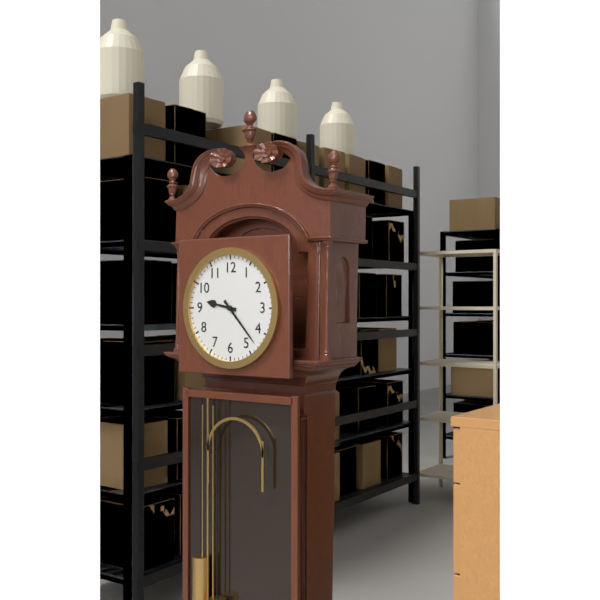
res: 9 h 23 min
